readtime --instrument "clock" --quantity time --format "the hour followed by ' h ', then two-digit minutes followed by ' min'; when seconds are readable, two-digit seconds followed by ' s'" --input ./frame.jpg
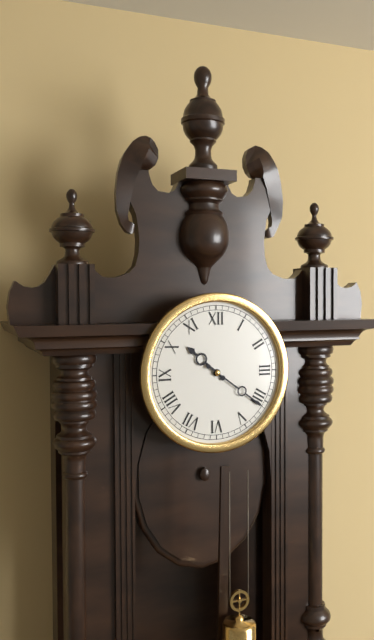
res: 10 h 21 min
